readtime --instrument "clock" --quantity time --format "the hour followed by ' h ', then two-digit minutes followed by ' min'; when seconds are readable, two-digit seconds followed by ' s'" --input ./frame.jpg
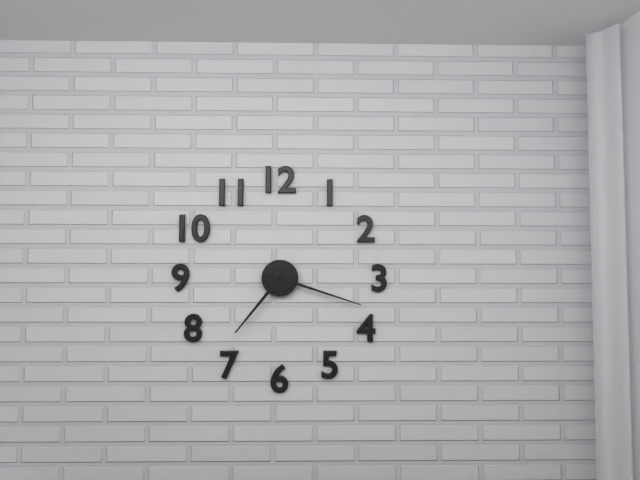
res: 7 h 18 min
